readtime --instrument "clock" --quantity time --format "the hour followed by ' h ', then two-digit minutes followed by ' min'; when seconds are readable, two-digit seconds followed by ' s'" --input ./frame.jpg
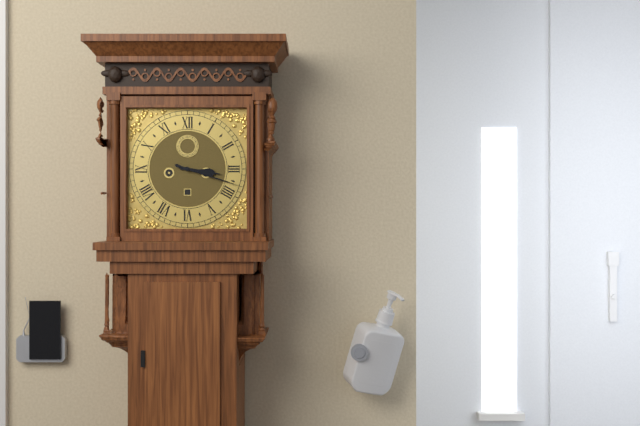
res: 3 h 18 min
